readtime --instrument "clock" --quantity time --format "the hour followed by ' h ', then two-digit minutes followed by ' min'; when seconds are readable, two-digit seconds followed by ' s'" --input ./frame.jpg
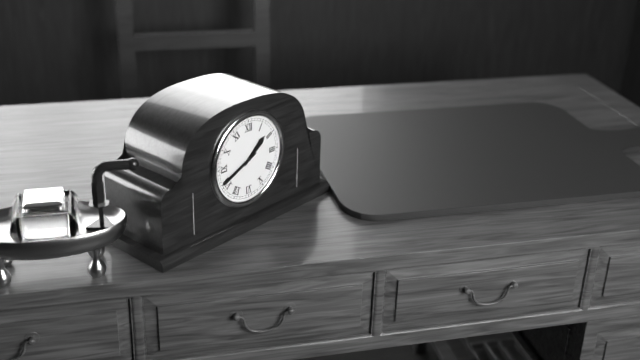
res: 1 h 41 min
